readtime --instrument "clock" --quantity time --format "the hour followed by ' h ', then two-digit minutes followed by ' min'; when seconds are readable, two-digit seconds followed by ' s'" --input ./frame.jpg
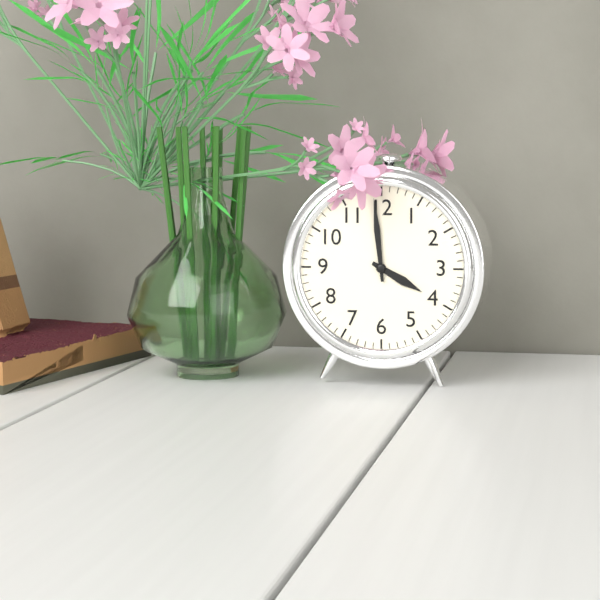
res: 3 h 59 min
